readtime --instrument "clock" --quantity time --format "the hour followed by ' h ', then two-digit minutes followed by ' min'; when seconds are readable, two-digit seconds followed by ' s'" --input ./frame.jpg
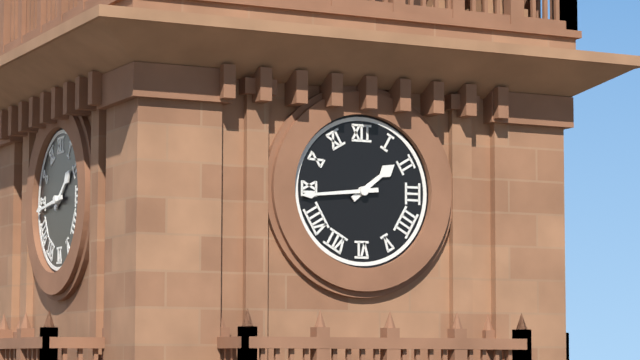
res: 1 h 44 min
